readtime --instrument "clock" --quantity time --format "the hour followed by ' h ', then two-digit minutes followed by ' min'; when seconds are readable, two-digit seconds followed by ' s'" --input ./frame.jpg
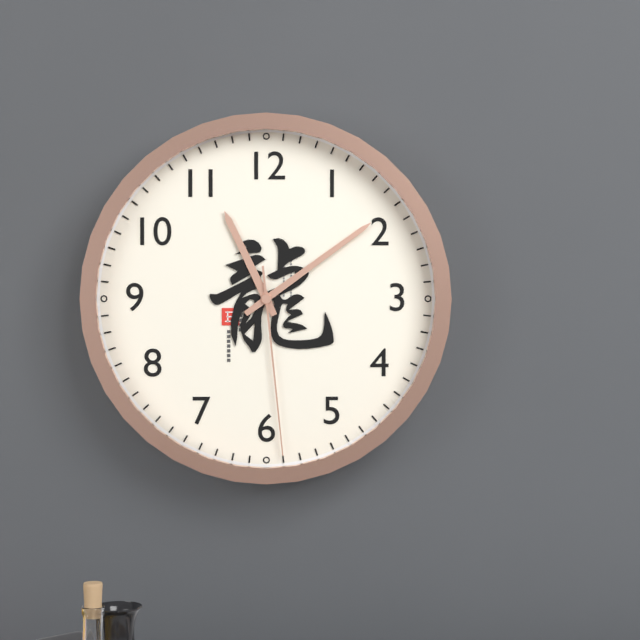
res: 11 h 09 min 29 s
